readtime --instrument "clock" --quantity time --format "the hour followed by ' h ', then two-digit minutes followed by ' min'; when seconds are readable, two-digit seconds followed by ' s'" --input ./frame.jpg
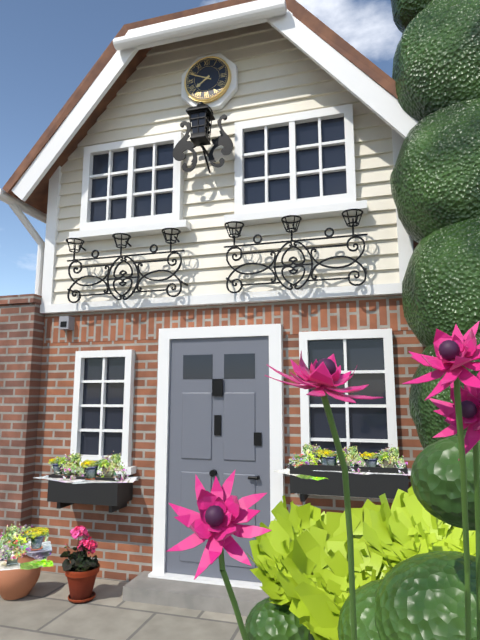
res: 7 h 49 min
